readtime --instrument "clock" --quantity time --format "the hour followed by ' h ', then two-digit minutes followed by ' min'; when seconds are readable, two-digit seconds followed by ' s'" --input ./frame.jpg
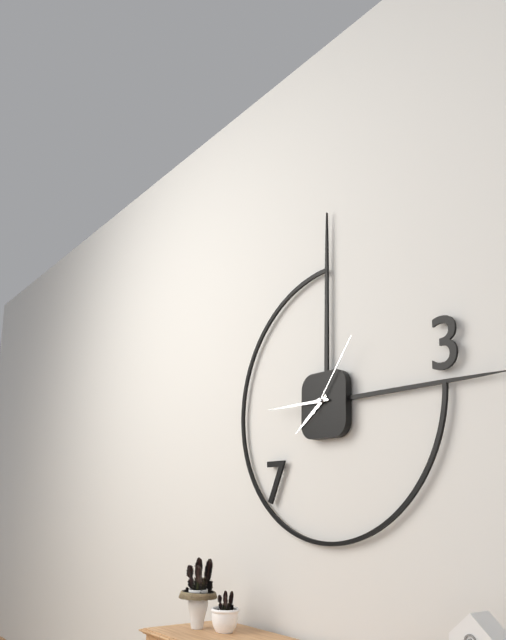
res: 7 h 45 min 06 s
